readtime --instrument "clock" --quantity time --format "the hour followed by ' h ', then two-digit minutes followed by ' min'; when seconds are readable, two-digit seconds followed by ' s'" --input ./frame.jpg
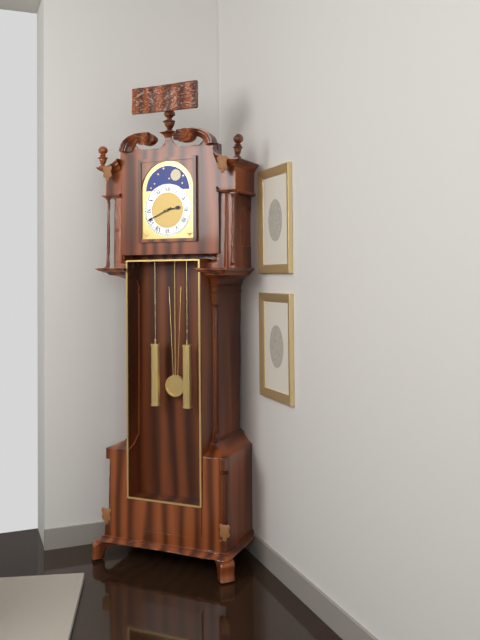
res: 2 h 41 min
